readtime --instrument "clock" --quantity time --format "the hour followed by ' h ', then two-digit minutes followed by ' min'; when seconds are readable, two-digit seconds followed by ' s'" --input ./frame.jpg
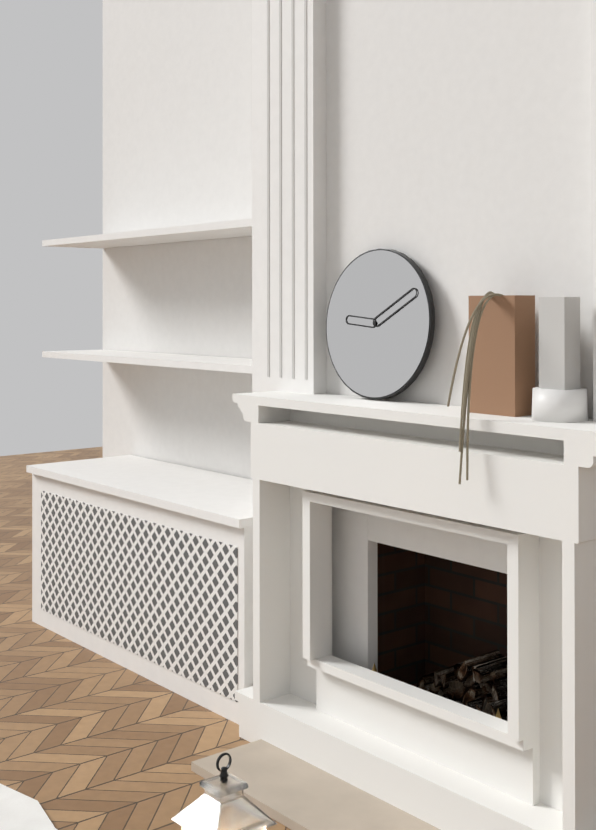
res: 9 h 10 min
